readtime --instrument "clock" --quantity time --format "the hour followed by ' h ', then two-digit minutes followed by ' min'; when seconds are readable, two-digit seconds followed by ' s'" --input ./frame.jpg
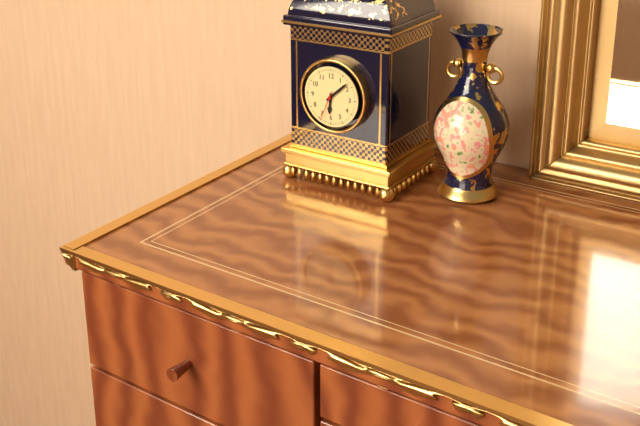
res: 6 h 08 min
